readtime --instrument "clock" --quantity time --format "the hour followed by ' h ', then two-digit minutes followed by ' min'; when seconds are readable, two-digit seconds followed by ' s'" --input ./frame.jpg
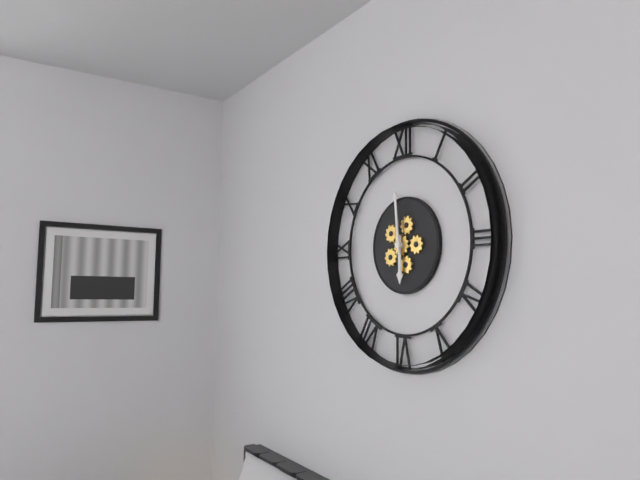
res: 5 h 59 min
